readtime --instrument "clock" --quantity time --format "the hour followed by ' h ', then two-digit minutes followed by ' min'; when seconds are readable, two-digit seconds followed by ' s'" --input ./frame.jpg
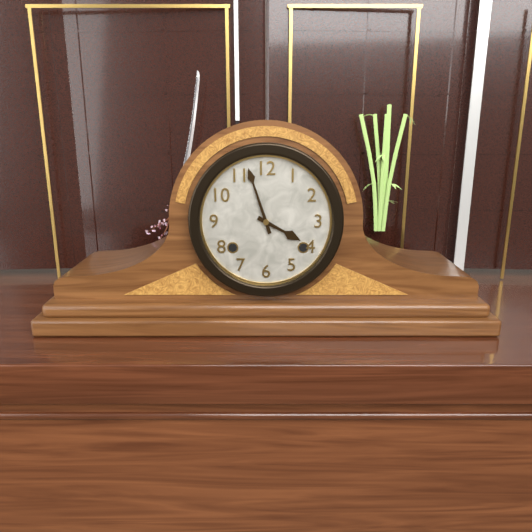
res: 3 h 57 min
